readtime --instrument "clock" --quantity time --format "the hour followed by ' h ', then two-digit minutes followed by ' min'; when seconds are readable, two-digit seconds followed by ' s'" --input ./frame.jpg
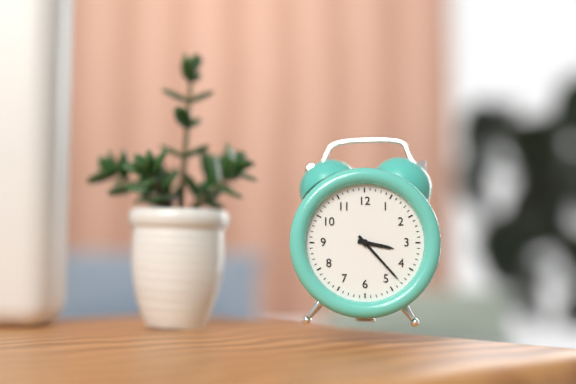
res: 3 h 23 min
